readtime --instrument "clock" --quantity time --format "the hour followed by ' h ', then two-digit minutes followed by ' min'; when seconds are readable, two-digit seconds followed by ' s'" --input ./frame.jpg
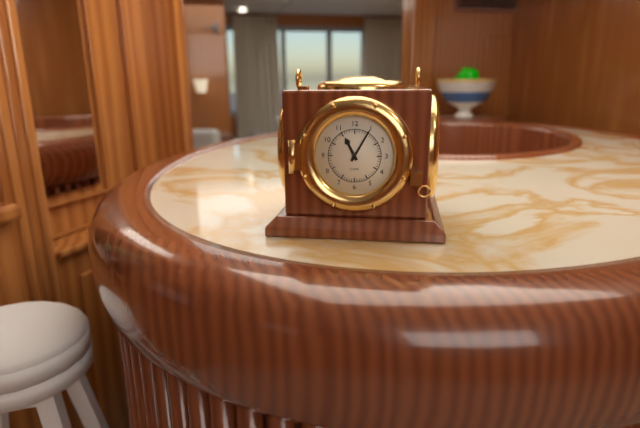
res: 11 h 05 min
